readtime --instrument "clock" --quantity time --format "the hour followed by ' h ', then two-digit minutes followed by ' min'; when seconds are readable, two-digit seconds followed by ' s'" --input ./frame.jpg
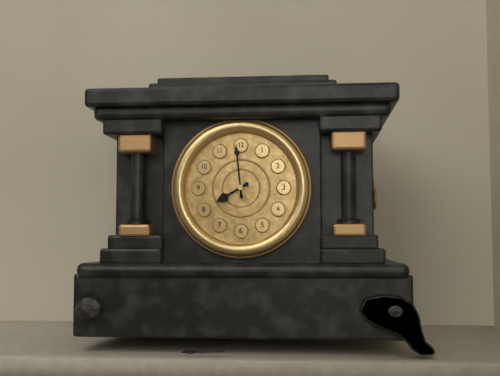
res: 7 h 59 min
